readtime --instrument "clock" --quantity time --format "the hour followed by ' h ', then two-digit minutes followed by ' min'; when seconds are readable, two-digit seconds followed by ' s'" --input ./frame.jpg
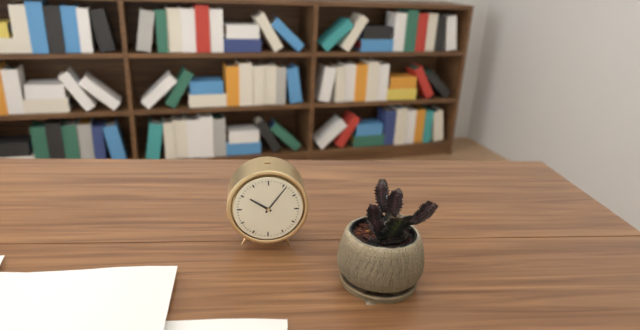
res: 10 h 06 min
